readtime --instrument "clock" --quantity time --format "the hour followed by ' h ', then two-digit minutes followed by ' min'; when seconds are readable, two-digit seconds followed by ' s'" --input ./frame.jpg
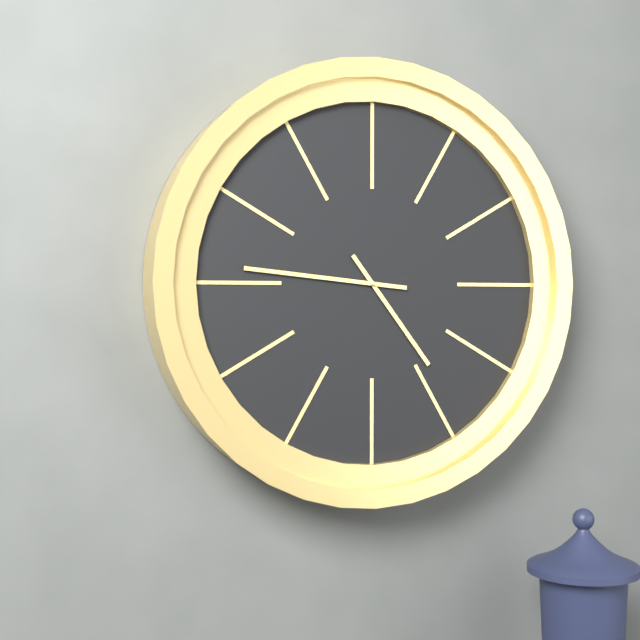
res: 4 h 46 min
